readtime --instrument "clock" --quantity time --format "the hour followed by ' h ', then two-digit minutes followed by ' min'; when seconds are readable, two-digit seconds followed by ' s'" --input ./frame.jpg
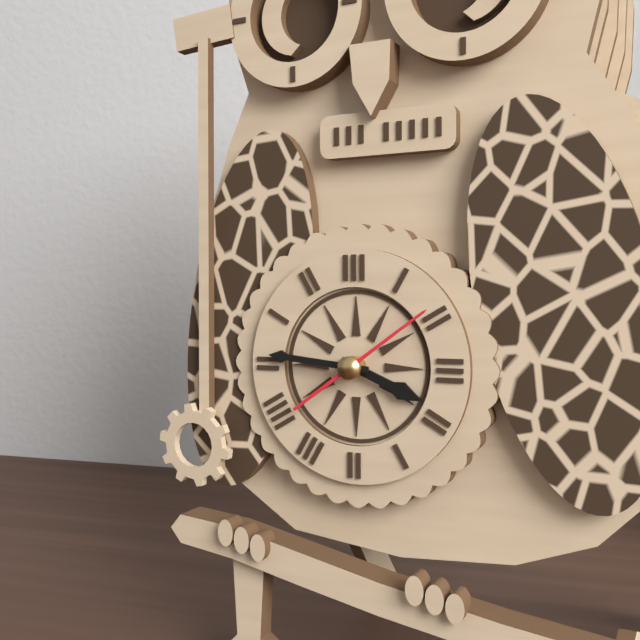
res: 3 h 46 min 09 s
